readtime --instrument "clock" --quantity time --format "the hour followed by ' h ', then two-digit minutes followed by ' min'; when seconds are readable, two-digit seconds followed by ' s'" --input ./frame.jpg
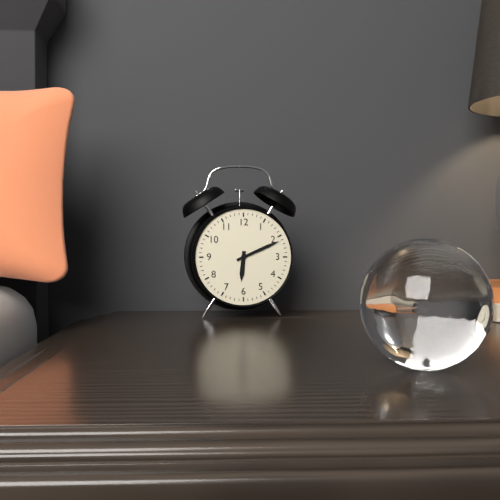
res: 6 h 11 min
